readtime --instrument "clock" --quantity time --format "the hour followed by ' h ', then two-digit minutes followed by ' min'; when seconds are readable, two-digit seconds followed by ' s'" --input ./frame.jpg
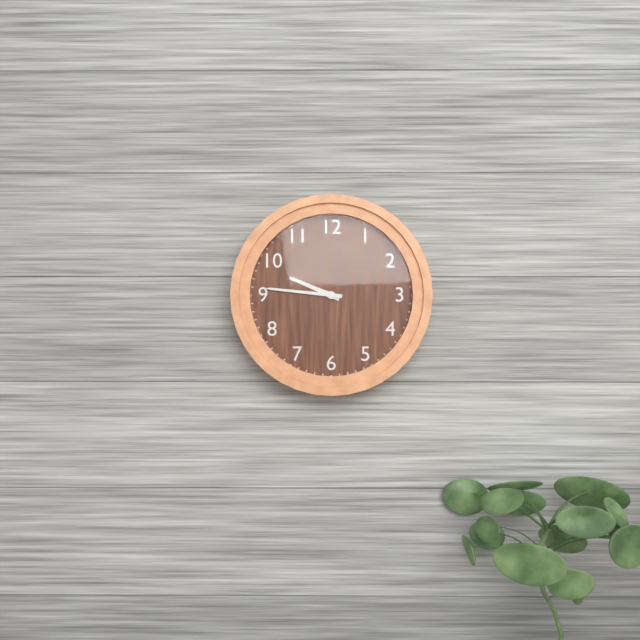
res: 9 h 46 min
